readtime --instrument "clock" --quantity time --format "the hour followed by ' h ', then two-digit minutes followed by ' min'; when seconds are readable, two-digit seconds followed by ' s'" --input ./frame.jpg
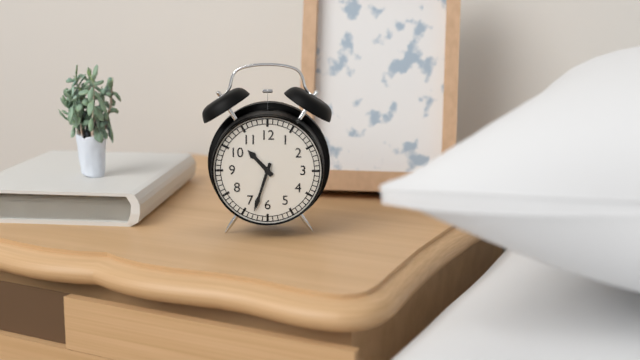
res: 10 h 33 min
